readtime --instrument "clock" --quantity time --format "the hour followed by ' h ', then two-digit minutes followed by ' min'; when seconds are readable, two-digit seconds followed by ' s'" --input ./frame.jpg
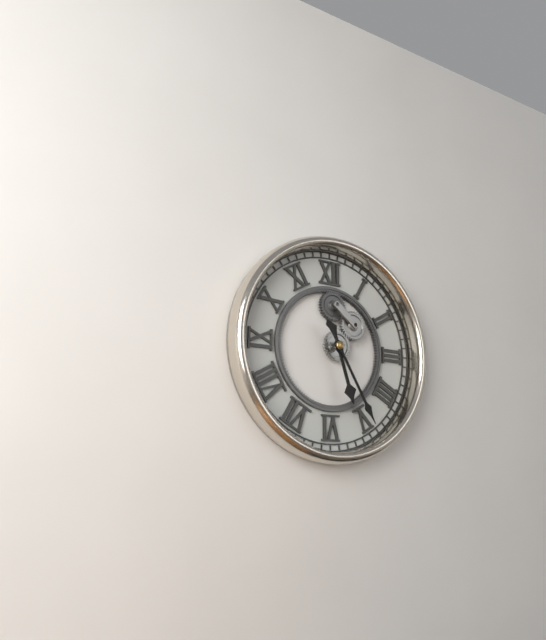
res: 5 h 25 min
